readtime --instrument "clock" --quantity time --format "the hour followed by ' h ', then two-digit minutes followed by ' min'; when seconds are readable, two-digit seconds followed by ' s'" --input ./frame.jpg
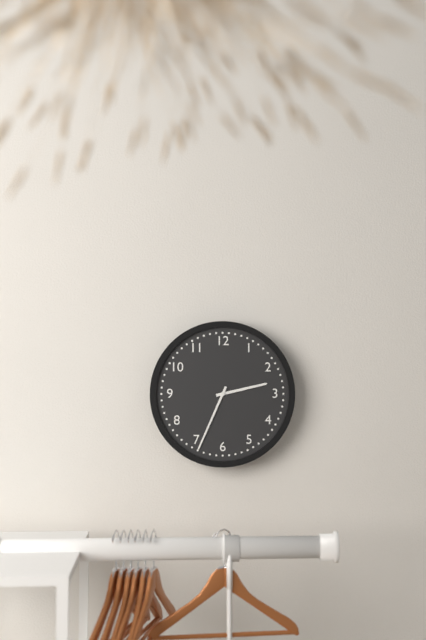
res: 2 h 34 min
